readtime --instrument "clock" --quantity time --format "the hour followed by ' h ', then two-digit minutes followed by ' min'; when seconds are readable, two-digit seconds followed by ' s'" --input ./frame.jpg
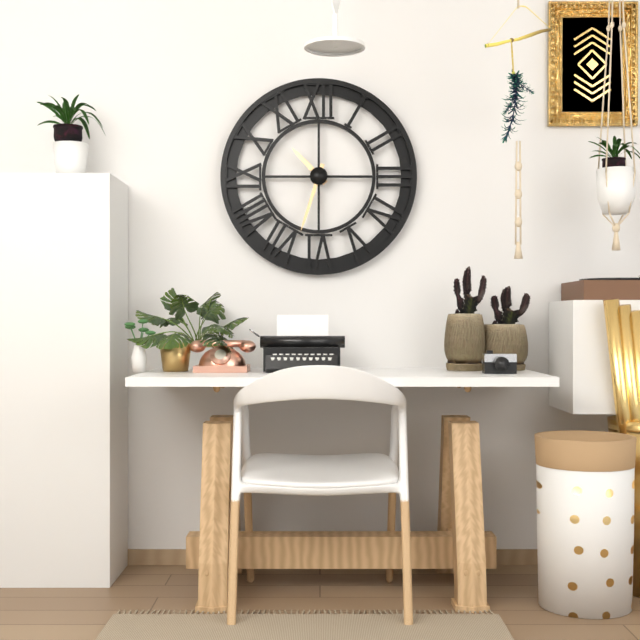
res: 10 h 33 min
